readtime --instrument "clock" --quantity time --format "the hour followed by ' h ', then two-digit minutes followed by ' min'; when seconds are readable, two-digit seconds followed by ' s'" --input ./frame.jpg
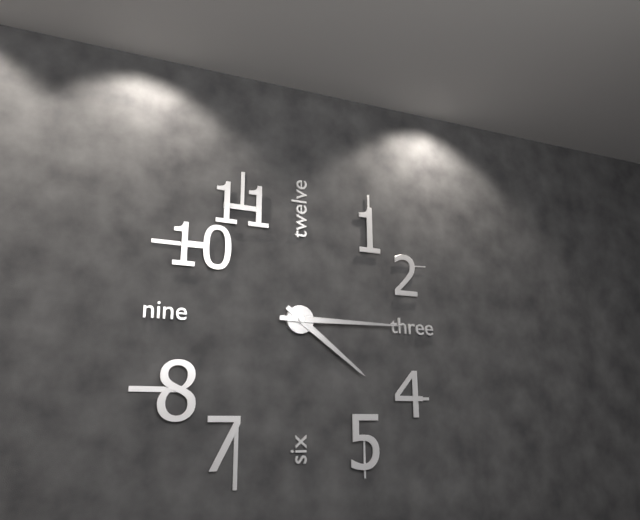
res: 4 h 15 min
